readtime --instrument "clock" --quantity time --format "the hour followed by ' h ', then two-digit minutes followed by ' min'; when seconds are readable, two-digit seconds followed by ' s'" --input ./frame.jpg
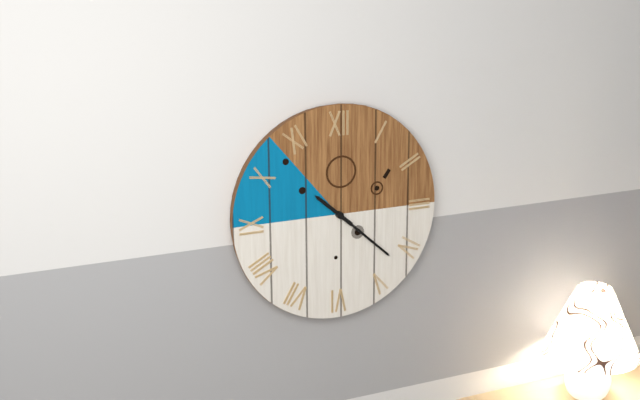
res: 10 h 22 min
